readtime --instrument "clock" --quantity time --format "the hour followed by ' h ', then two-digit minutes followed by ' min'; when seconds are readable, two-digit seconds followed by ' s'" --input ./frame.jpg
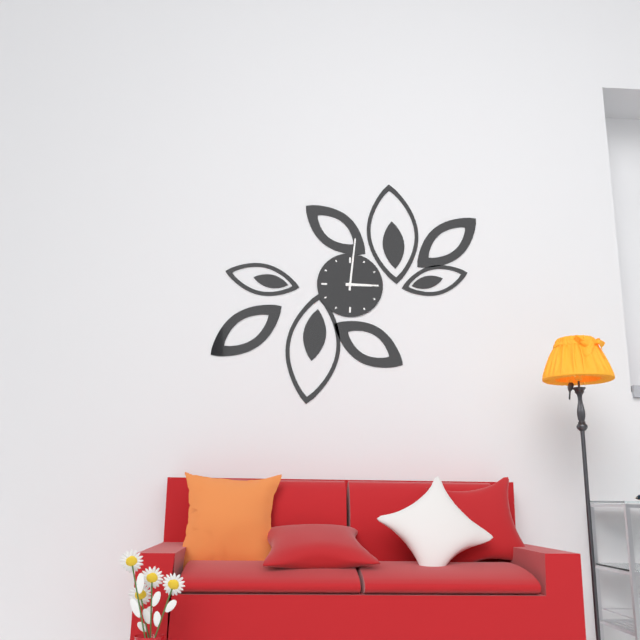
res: 3 h 01 min
